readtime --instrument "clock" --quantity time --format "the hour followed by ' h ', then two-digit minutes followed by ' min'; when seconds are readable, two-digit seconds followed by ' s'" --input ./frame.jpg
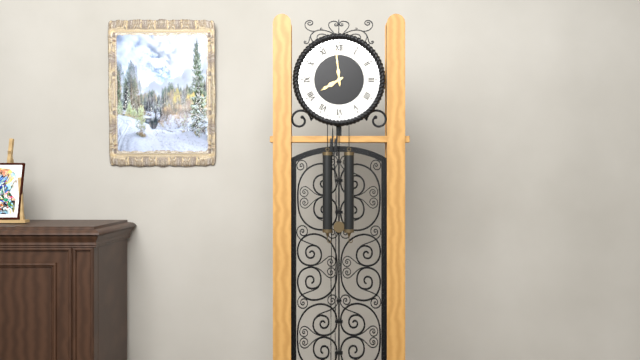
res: 7 h 59 min
